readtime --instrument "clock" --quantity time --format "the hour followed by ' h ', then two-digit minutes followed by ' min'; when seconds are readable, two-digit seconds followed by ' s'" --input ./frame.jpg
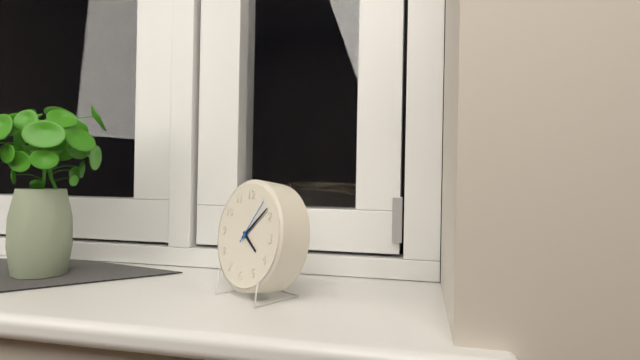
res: 4 h 08 min
